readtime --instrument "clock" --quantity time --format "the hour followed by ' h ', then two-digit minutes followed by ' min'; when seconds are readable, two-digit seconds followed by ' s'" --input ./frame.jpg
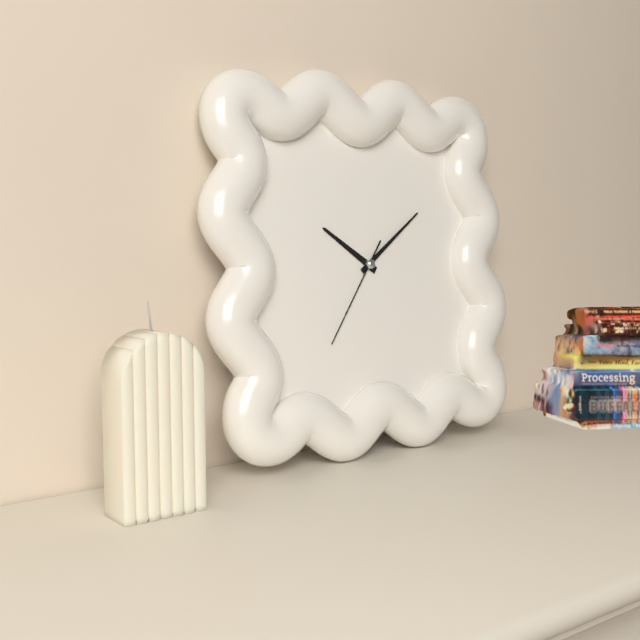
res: 10 h 09 min 36 s
